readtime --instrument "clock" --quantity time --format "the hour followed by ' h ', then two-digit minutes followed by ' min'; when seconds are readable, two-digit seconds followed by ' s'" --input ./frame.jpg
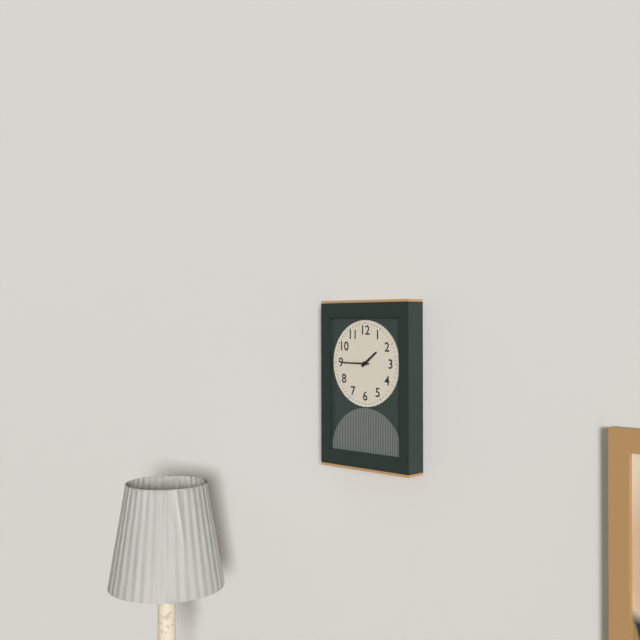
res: 1 h 45 min
